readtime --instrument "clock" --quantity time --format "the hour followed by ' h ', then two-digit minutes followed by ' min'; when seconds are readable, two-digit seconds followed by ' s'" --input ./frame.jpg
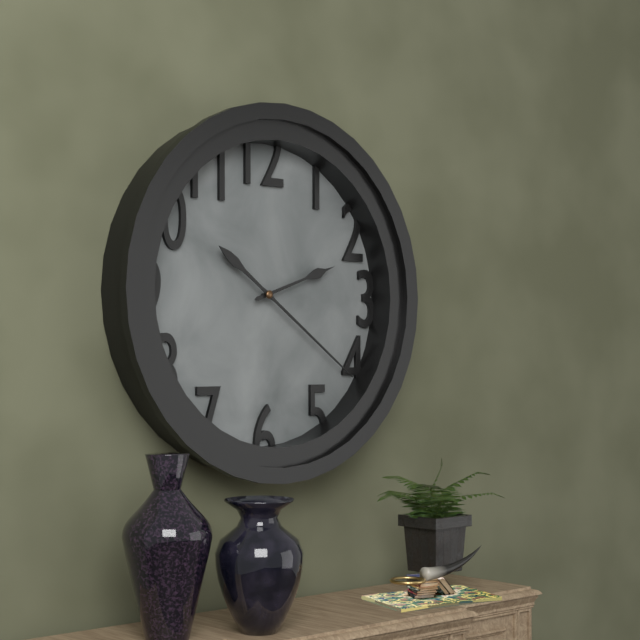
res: 2 h 21 min
